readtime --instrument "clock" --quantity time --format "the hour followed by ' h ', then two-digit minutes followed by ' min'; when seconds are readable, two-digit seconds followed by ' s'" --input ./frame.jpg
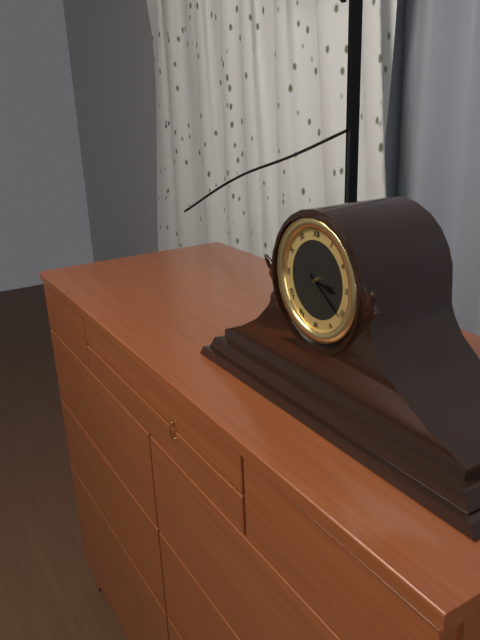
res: 3 h 21 min
